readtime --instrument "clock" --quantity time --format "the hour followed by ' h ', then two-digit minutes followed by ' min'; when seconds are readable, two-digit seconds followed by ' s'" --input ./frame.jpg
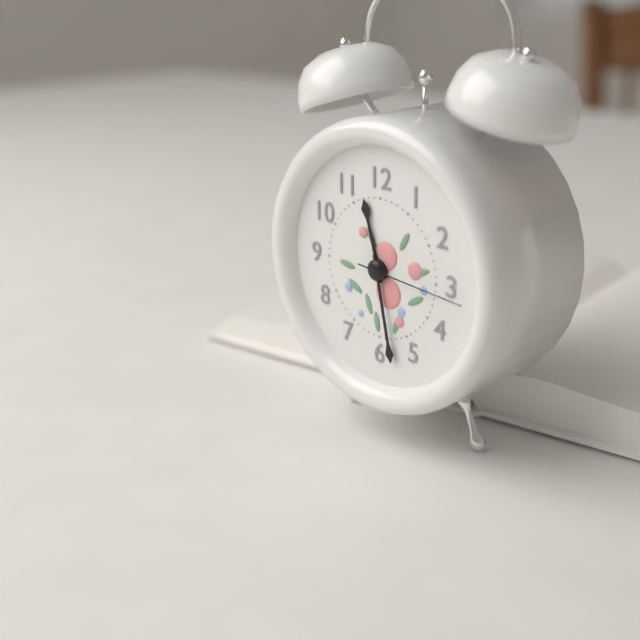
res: 11 h 28 min 16 s
